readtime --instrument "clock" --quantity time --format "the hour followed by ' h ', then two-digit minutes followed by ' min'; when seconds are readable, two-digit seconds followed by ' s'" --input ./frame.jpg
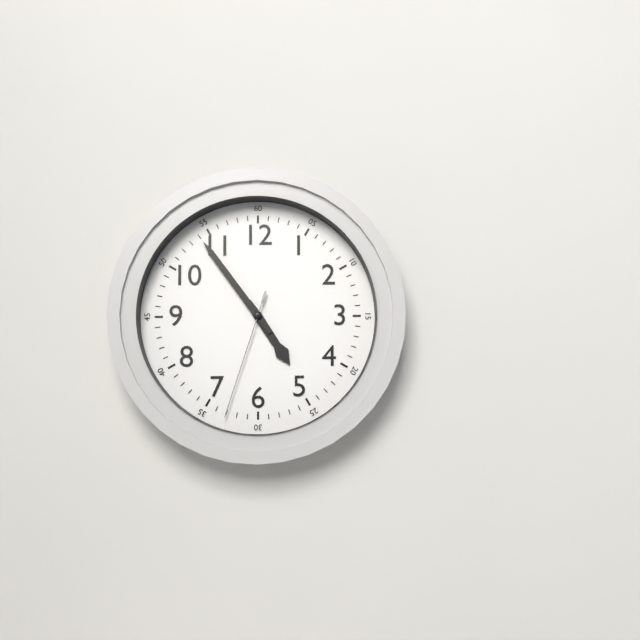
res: 4 h 54 min 33 s
